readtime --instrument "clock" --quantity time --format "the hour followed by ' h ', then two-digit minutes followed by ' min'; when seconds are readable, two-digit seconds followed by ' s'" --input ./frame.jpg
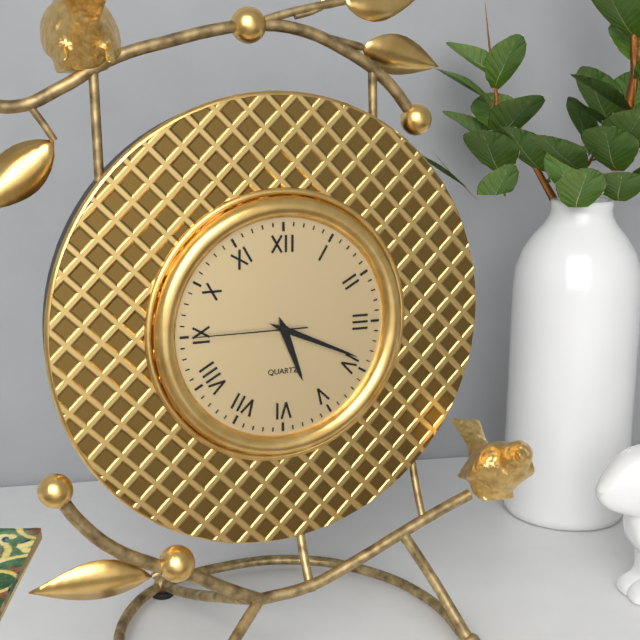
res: 5 h 19 min 45 s
